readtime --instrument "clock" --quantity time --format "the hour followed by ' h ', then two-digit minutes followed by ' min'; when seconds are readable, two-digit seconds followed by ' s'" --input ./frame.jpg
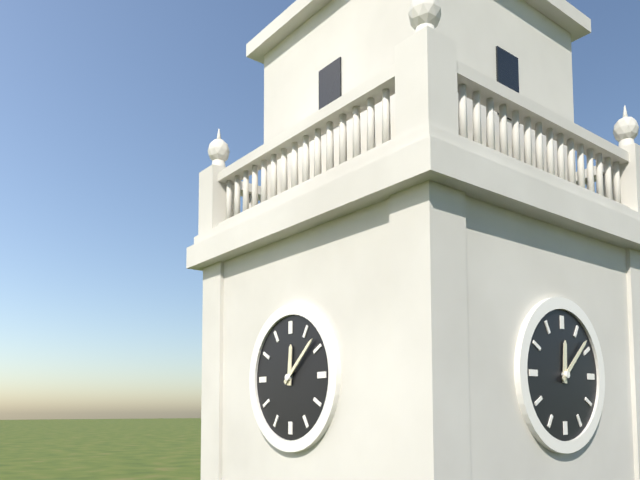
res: 12 h 08 min
